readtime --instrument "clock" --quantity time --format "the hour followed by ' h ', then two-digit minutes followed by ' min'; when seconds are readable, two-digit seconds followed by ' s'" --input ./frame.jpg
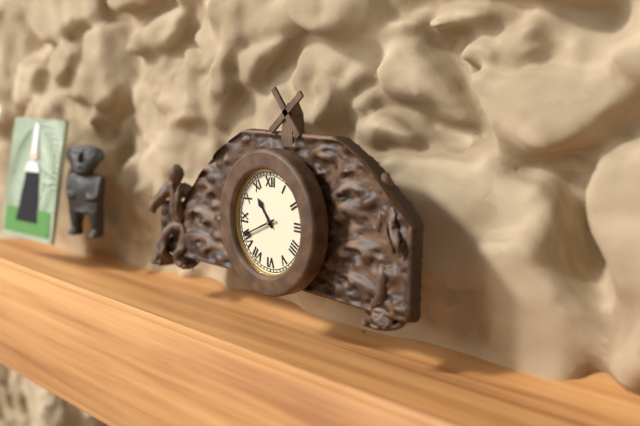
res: 10 h 41 min
